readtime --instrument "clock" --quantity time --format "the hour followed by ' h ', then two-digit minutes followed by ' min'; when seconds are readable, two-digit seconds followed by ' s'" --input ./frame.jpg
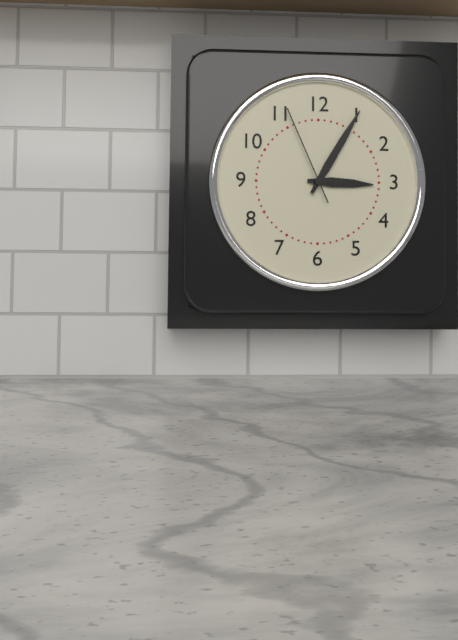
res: 3 h 05 min 56 s
